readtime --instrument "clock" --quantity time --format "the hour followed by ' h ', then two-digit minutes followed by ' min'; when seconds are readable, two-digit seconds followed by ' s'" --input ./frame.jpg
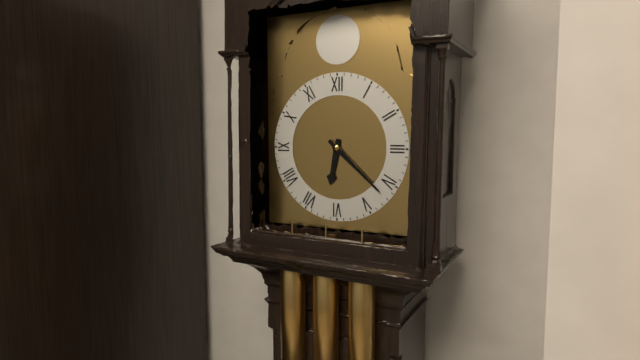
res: 6 h 22 min
